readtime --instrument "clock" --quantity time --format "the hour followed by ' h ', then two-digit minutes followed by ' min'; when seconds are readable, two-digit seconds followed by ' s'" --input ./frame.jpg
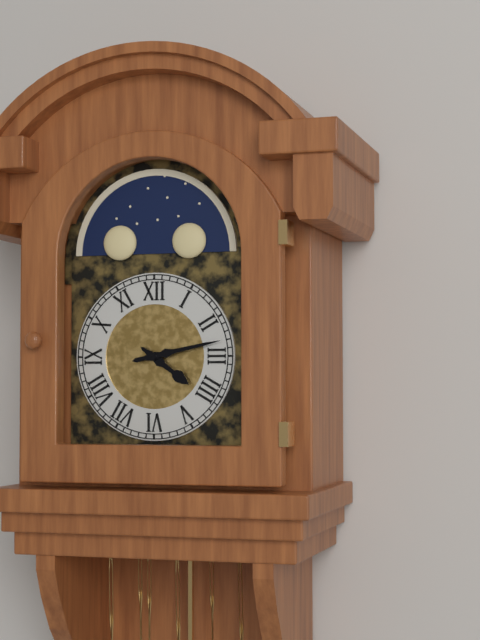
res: 4 h 13 min
